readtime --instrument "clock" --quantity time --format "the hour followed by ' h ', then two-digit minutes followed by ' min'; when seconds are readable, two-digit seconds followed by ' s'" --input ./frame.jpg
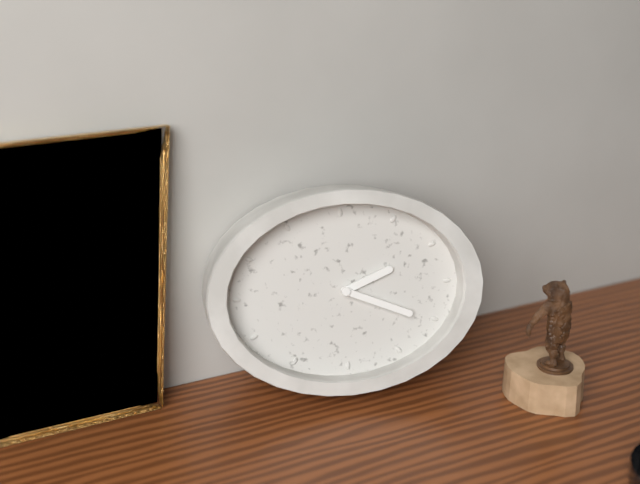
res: 2 h 19 min
